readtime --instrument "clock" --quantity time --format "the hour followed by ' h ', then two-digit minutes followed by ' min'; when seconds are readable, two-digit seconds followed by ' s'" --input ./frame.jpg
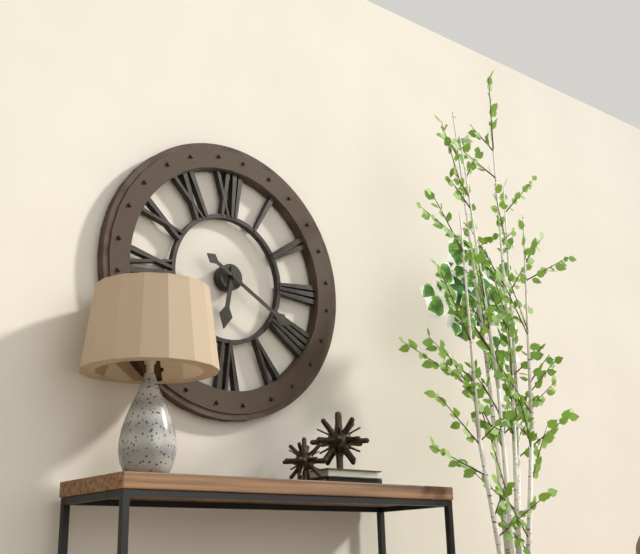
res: 6 h 20 min
